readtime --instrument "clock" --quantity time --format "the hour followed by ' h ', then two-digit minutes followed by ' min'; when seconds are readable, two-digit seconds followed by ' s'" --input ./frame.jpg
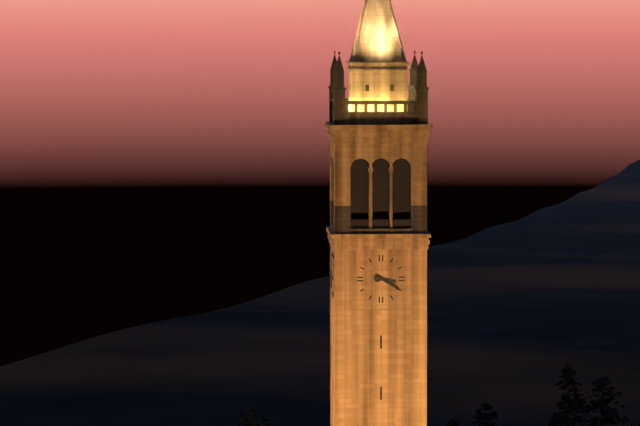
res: 3 h 20 min
